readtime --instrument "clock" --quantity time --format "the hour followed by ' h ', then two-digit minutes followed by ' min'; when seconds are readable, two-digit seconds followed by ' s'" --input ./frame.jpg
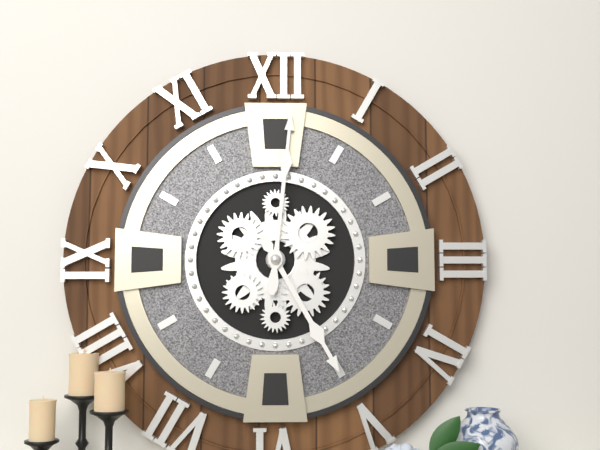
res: 5 h 01 min
